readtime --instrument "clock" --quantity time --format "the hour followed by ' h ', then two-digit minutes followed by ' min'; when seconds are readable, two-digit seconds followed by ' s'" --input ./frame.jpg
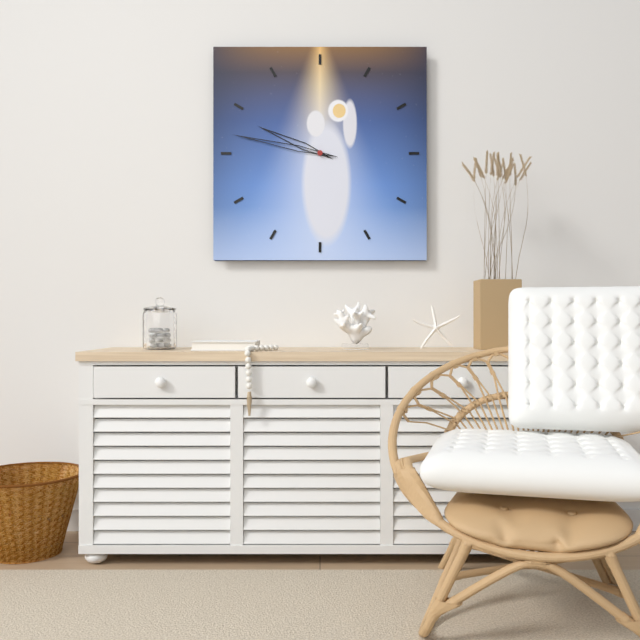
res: 9 h 47 min
